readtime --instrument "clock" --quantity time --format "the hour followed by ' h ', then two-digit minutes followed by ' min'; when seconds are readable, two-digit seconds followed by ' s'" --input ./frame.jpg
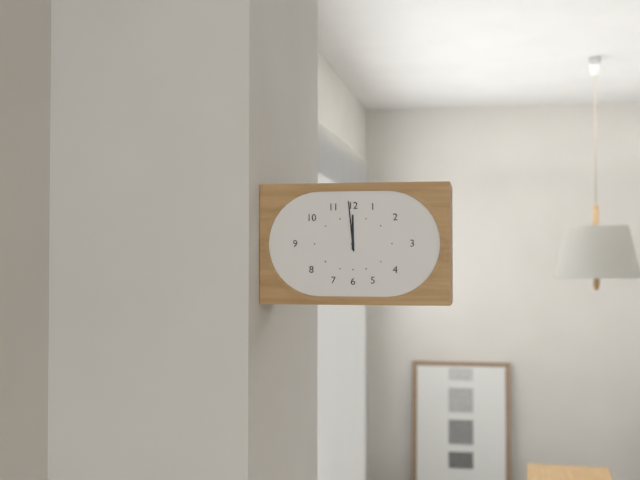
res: 11 h 59 min
